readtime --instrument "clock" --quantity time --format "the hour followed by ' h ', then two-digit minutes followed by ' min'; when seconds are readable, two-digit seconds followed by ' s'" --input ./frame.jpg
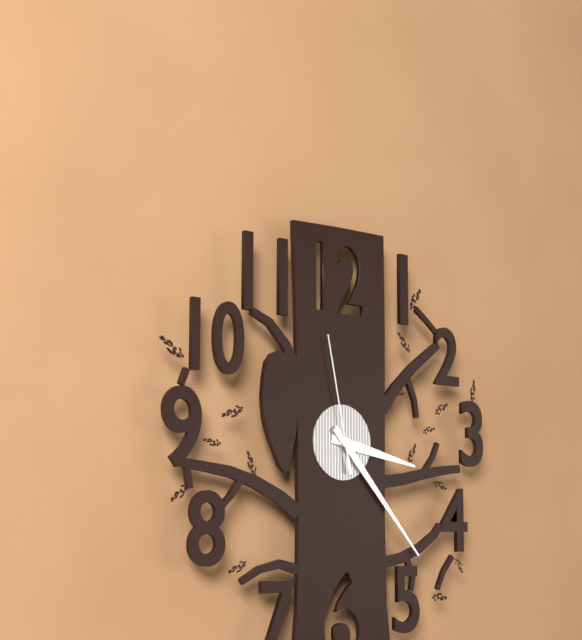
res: 3 h 23 min 58 s
